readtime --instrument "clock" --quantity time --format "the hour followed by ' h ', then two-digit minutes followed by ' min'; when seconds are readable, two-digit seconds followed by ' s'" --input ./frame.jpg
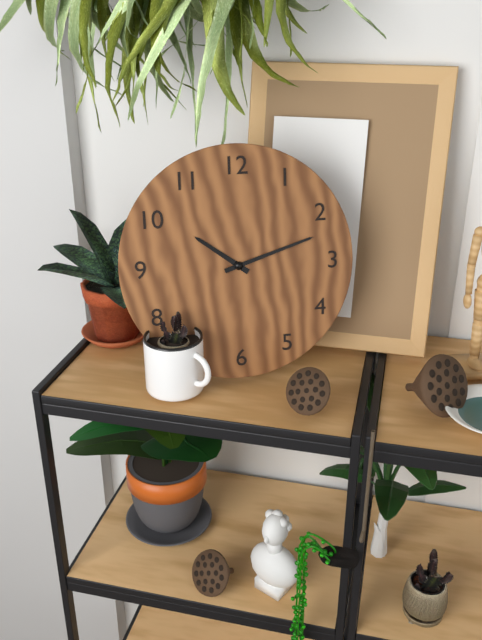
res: 10 h 12 min
